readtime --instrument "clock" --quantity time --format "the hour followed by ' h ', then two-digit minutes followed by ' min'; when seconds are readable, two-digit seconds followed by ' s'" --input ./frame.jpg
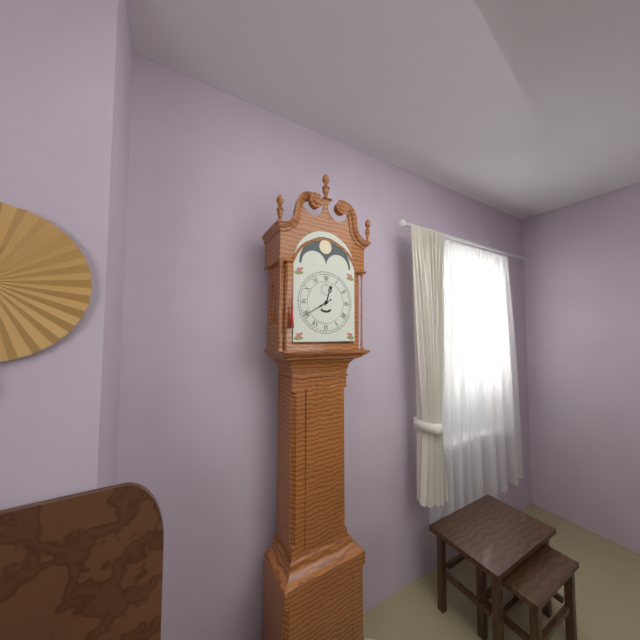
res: 12 h 40 min
